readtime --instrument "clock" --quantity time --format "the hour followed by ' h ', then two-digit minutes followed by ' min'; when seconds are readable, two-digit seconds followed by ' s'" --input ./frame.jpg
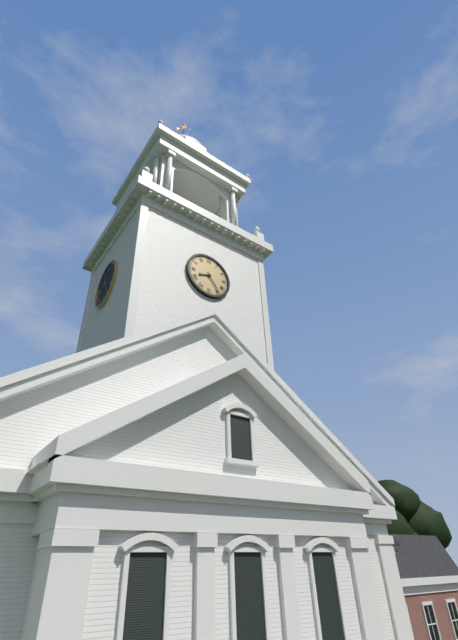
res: 8 h 24 min
